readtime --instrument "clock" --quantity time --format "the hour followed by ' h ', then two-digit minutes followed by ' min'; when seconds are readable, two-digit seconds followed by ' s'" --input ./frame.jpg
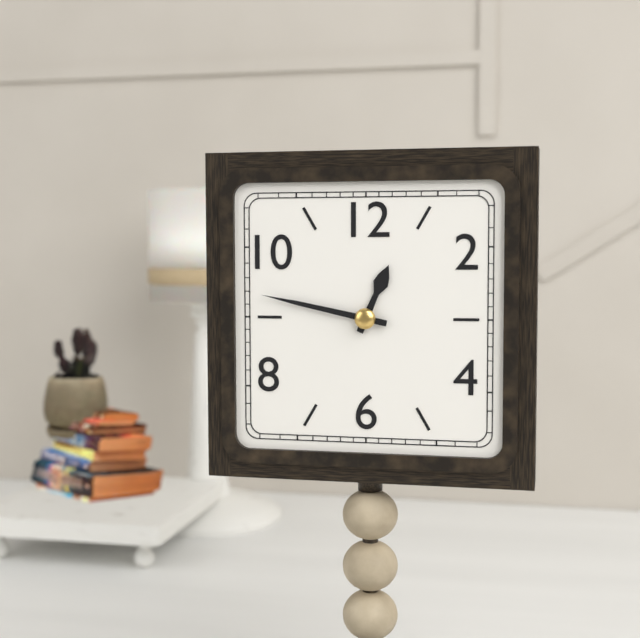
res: 12 h 47 min
